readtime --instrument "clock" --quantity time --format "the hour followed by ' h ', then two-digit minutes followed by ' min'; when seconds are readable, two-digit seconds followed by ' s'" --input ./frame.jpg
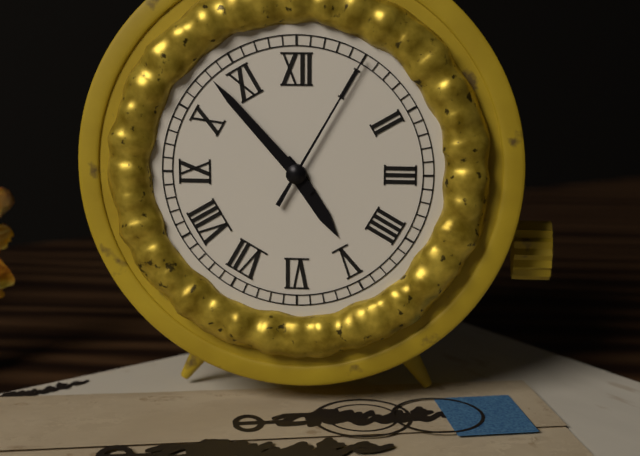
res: 4 h 53 min 05 s
